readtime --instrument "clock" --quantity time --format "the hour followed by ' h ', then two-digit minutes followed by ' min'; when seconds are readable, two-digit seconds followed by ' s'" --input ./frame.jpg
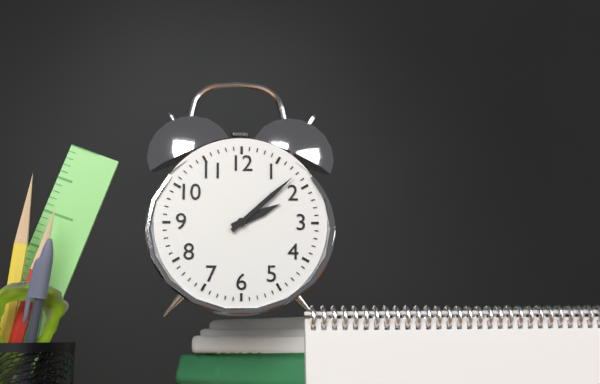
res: 2 h 08 min
